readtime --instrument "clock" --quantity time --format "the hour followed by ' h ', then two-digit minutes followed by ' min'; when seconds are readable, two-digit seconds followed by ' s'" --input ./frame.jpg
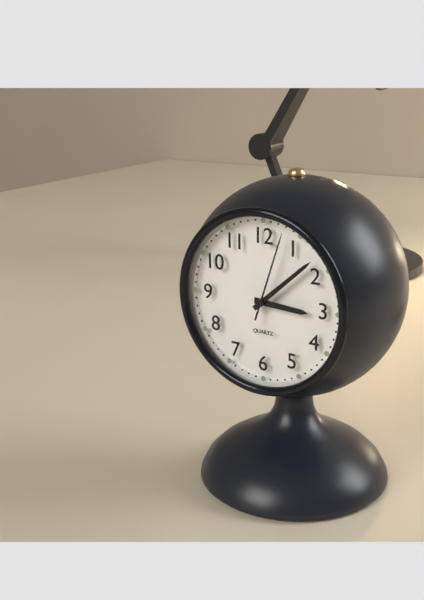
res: 3 h 08 min 03 s
